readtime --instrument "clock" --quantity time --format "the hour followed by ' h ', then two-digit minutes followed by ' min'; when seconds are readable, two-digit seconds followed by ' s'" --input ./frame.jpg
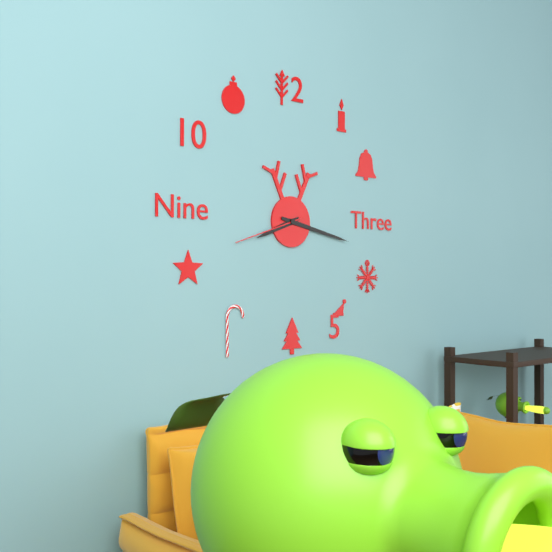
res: 8 h 17 min 42 s
